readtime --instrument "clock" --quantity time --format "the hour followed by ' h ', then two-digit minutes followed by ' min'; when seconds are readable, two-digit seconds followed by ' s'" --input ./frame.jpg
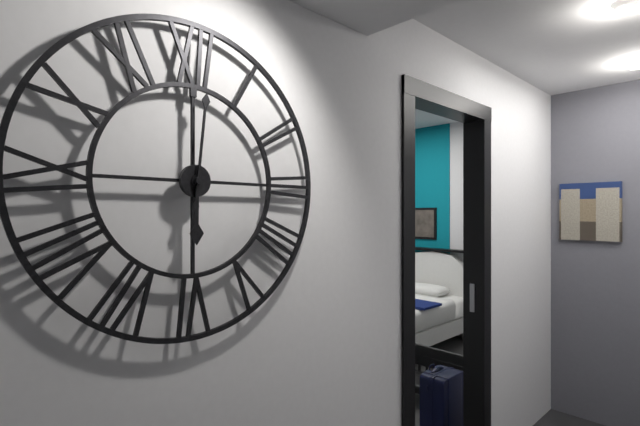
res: 6 h 01 min
